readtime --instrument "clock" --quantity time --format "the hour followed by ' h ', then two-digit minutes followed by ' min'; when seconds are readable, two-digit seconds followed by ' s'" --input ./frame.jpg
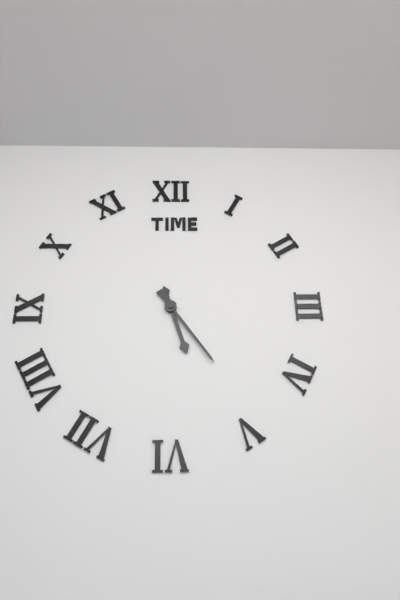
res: 5 h 24 min
